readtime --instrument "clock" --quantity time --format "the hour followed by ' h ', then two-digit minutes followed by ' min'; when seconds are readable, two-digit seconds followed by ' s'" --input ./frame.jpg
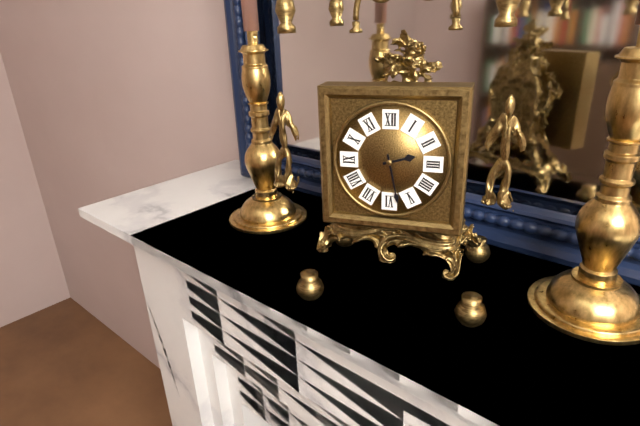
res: 2 h 28 min
